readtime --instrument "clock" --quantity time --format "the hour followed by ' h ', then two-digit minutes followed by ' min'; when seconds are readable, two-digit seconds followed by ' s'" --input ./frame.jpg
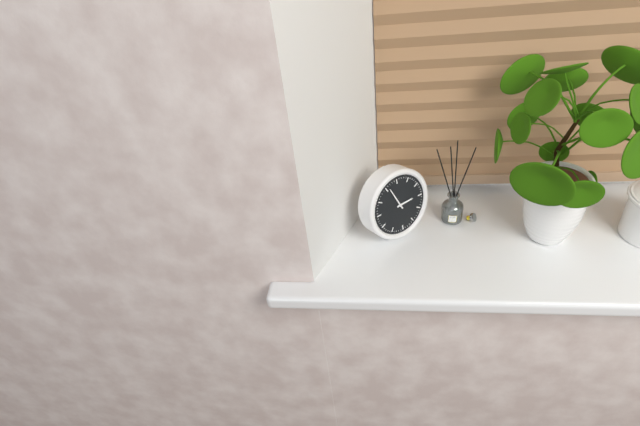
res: 2 h 56 min
